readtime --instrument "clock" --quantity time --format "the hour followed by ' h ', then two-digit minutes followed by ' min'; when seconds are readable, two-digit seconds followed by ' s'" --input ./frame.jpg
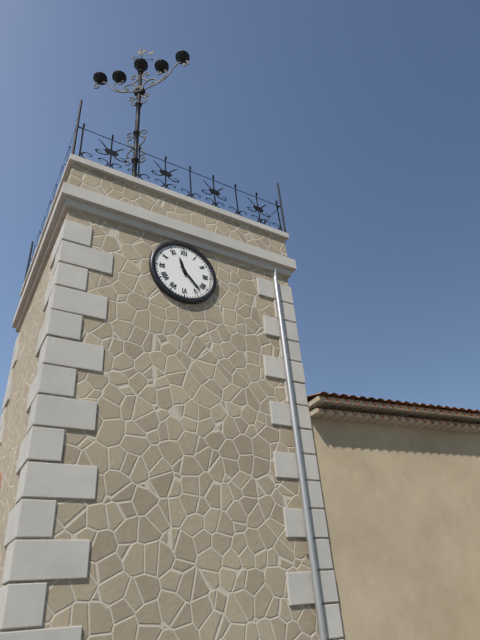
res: 11 h 23 min
